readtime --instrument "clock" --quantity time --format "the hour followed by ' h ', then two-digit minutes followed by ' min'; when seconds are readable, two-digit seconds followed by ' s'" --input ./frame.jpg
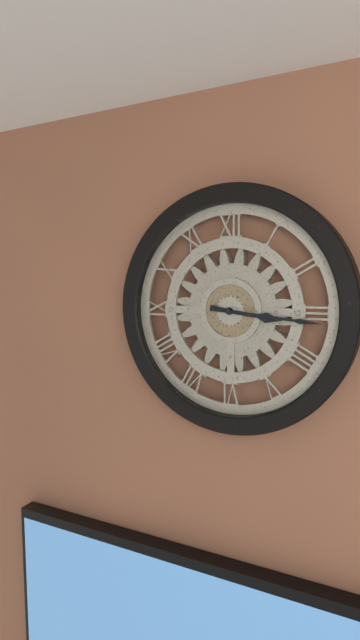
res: 3 h 16 min
